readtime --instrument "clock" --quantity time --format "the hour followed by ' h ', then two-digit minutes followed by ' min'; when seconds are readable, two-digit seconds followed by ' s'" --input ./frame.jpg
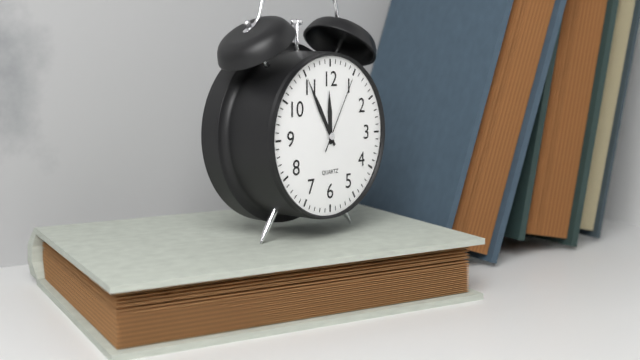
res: 11 h 55 min 05 s
